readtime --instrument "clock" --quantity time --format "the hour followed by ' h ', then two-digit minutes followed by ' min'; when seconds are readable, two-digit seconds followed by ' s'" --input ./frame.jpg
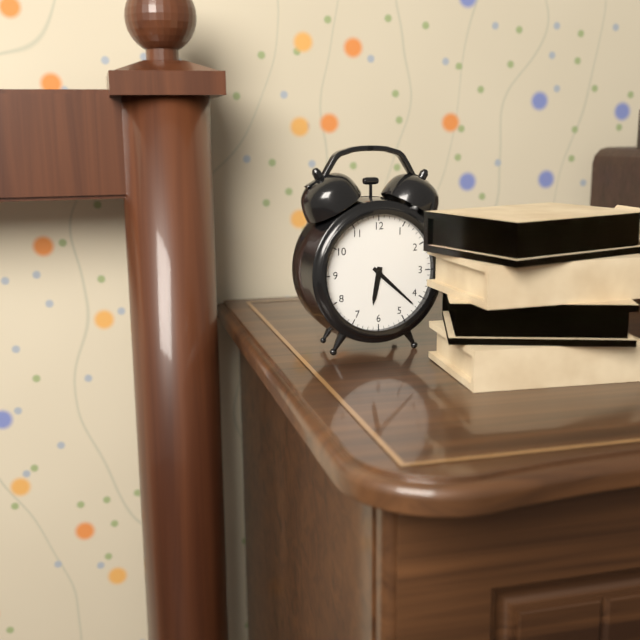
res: 6 h 22 min
